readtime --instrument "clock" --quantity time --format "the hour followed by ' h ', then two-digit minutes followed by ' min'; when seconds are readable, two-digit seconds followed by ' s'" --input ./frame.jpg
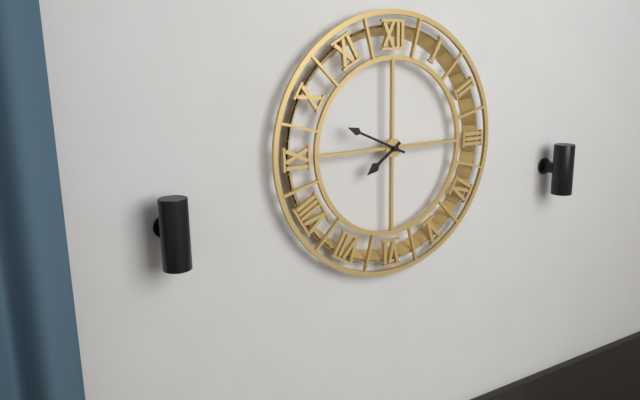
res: 7 h 49 min
